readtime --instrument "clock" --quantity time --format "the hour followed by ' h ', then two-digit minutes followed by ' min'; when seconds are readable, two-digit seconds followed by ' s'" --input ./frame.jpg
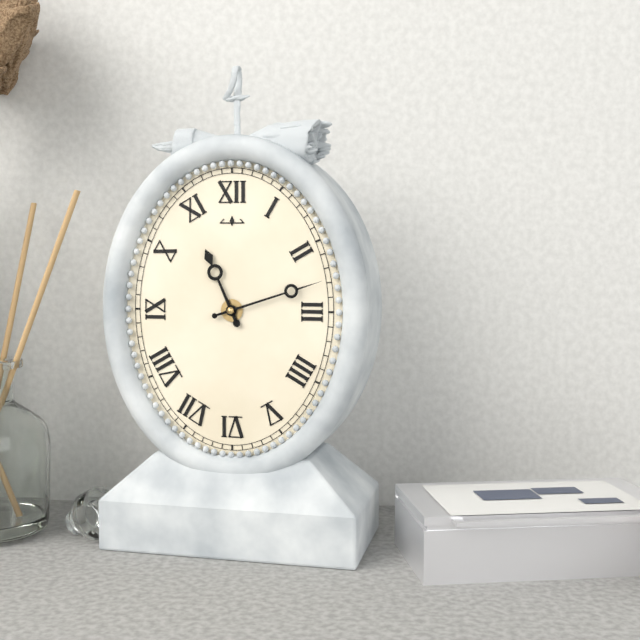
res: 11 h 12 min
